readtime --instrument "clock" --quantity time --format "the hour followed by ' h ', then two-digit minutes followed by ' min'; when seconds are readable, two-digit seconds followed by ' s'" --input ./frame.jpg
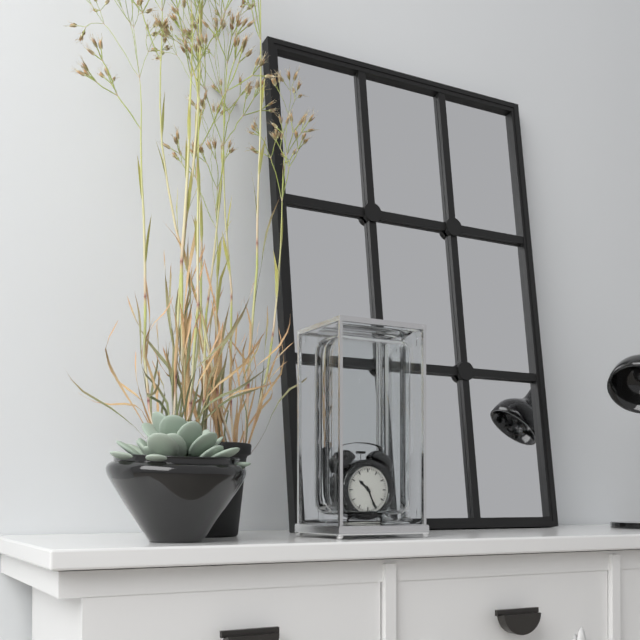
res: 10 h 26 min
